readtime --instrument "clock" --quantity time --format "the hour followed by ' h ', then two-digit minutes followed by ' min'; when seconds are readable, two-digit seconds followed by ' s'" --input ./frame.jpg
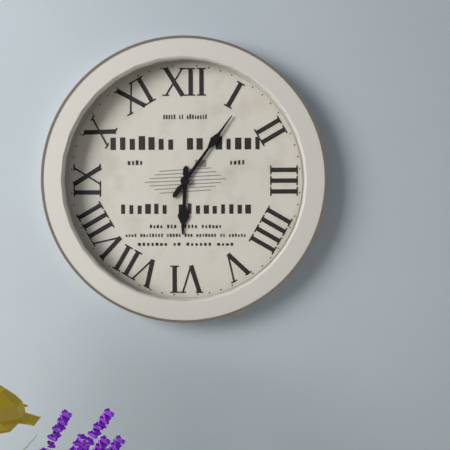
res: 6 h 06 min
